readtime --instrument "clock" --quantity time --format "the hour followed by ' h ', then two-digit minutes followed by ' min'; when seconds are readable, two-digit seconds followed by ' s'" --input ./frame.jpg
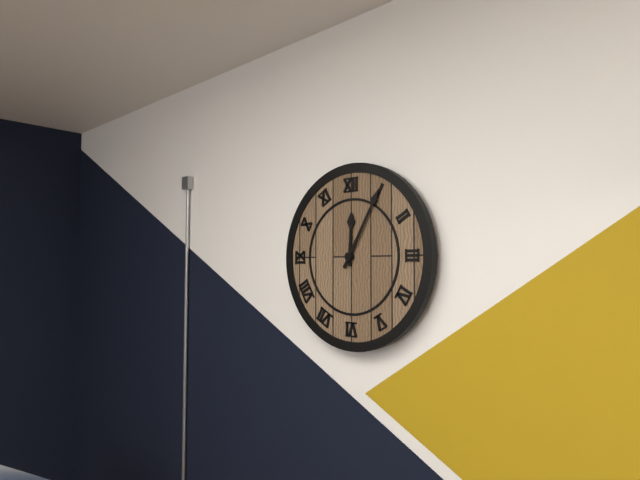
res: 12 h 05 min
